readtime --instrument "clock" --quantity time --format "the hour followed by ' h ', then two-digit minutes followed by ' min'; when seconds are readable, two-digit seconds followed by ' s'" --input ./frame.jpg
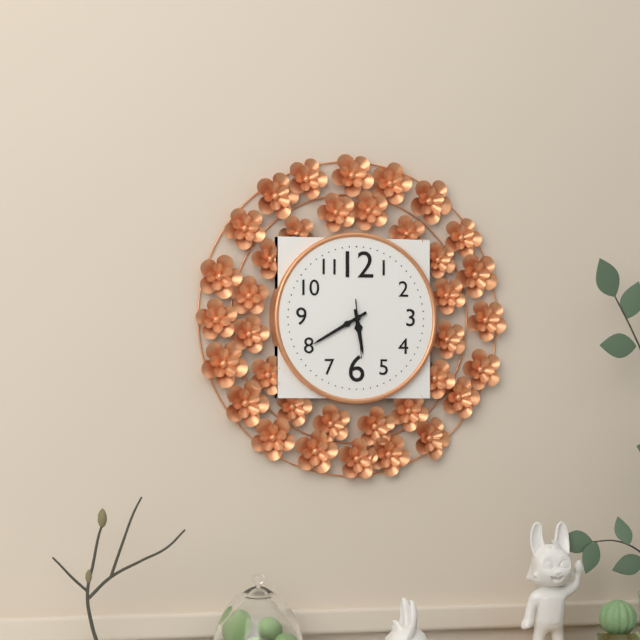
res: 5 h 40 min 29 s
